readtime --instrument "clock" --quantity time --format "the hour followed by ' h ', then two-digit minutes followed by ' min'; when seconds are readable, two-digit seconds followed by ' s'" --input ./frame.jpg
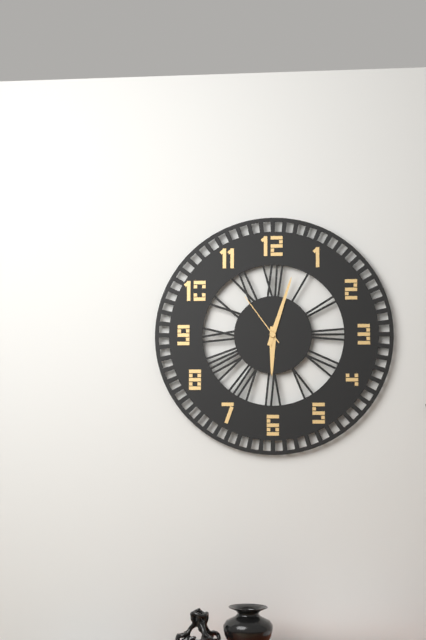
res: 6 h 03 min 54 s
